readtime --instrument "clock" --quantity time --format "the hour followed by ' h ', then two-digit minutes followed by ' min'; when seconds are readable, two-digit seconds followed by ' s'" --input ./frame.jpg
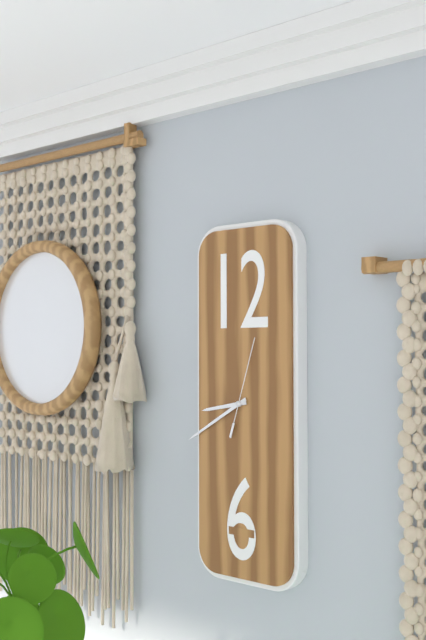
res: 8 h 40 min 03 s
